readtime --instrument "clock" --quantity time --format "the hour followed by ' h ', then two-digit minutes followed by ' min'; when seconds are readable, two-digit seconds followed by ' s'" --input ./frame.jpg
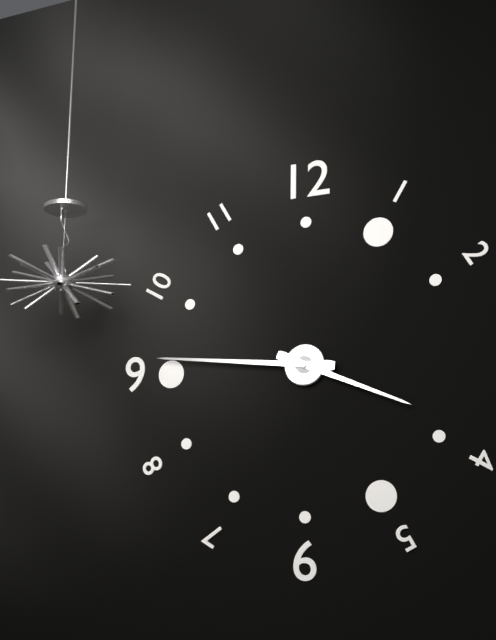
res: 3 h 46 min
